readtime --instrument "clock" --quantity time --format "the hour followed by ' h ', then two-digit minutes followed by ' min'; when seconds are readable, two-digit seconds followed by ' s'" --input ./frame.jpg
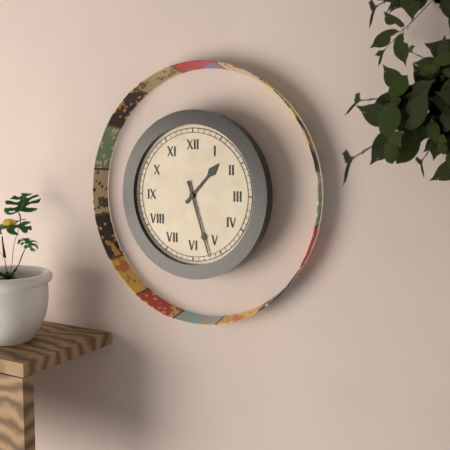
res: 1 h 27 min
